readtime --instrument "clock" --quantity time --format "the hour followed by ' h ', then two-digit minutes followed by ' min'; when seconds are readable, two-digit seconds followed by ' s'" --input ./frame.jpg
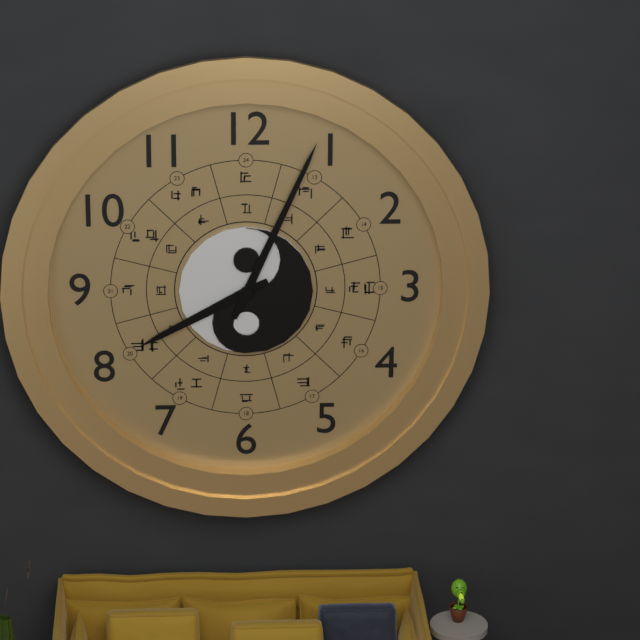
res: 8 h 04 min
